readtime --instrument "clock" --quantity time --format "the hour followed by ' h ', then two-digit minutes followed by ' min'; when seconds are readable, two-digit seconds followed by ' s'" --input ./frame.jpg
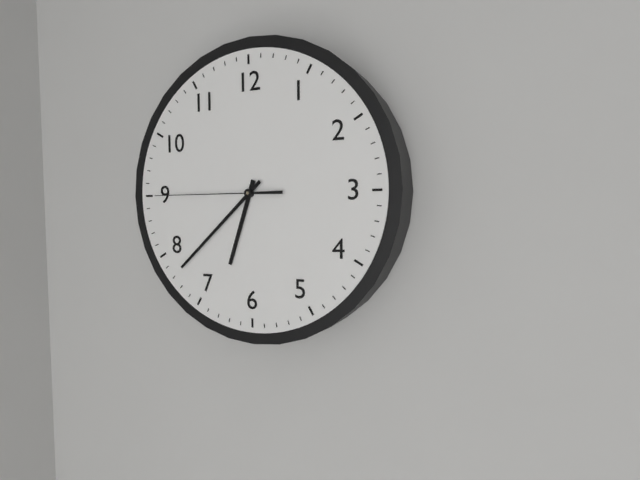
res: 6 h 38 min 45 s
